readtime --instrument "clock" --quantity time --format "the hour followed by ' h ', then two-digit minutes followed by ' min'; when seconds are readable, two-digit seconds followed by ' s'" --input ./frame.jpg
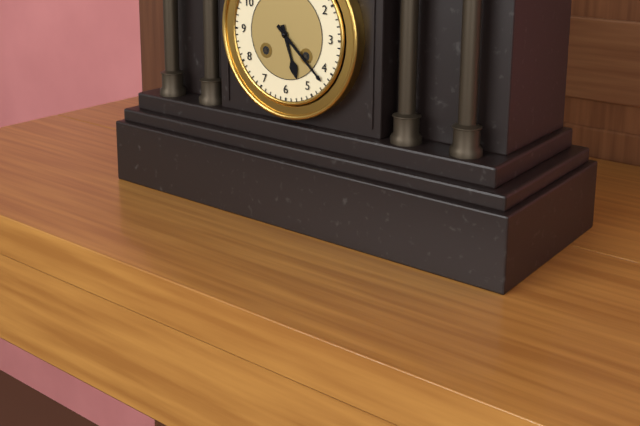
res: 5 h 22 min
